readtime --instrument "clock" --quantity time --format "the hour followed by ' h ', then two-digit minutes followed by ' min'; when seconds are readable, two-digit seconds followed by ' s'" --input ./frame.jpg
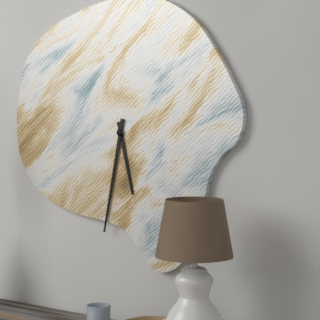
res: 5 h 32 min
